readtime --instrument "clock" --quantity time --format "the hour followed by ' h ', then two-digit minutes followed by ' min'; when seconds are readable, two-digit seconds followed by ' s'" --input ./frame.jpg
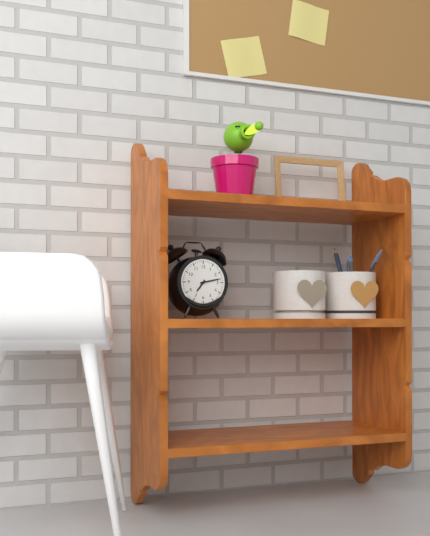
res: 7 h 13 min
